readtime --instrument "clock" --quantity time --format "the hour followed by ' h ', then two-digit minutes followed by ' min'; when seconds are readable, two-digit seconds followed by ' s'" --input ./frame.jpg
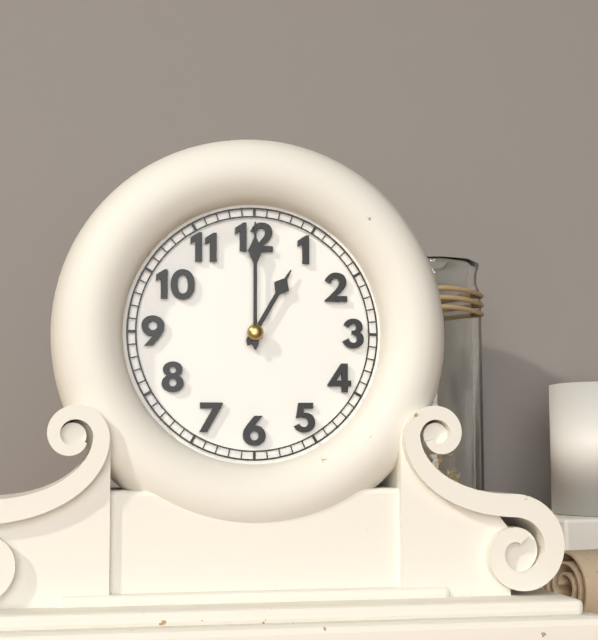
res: 1 h 00 min
